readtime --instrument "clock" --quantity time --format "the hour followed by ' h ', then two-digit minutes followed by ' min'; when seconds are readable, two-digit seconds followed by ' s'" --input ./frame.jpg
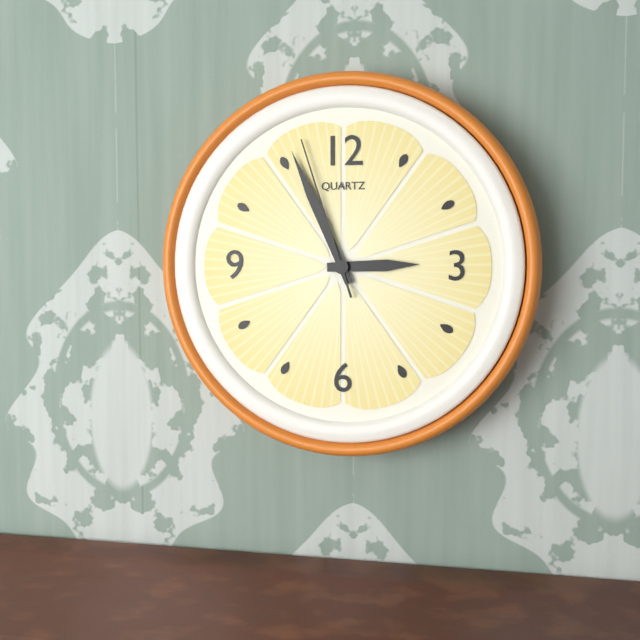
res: 2 h 56 min 57 s
